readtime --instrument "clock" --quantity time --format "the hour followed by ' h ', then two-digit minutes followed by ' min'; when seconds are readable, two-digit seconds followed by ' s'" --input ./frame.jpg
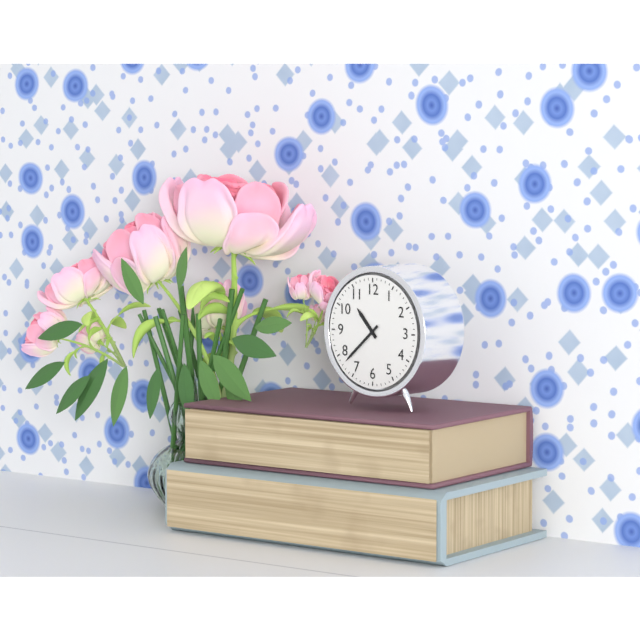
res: 10 h 38 min
